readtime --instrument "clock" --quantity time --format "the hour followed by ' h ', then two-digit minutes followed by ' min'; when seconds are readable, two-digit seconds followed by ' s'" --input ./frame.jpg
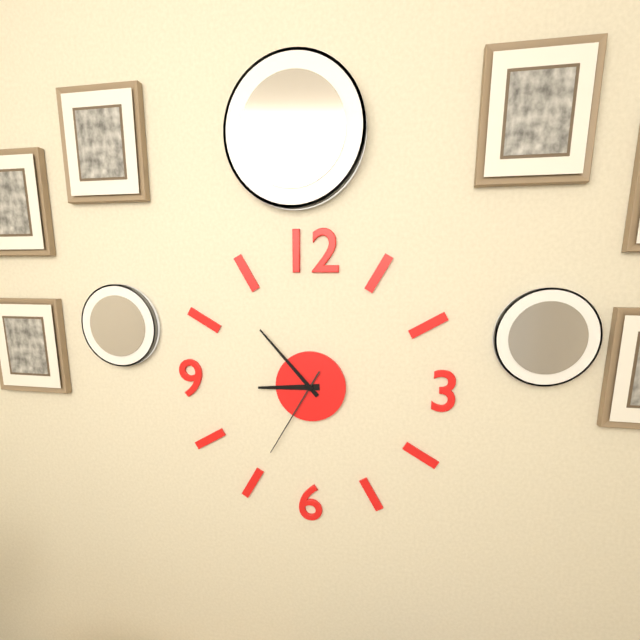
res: 8 h 53 min 35 s
